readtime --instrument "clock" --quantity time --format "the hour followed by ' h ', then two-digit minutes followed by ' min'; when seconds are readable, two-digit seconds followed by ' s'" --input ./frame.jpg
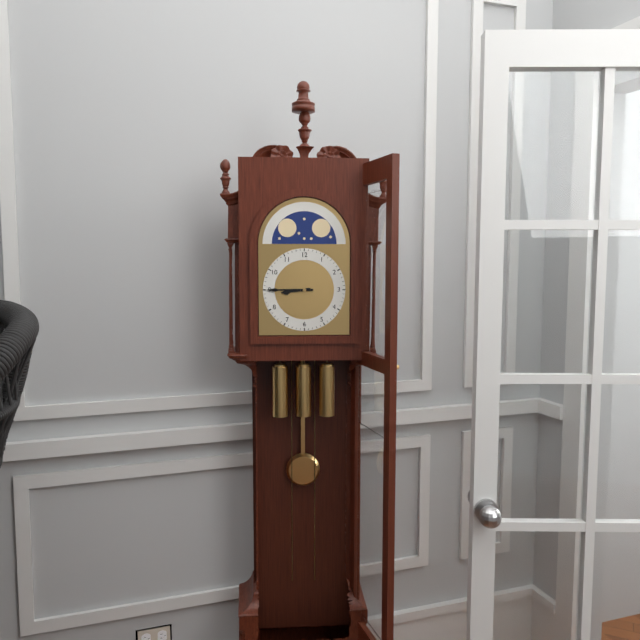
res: 8 h 45 min
